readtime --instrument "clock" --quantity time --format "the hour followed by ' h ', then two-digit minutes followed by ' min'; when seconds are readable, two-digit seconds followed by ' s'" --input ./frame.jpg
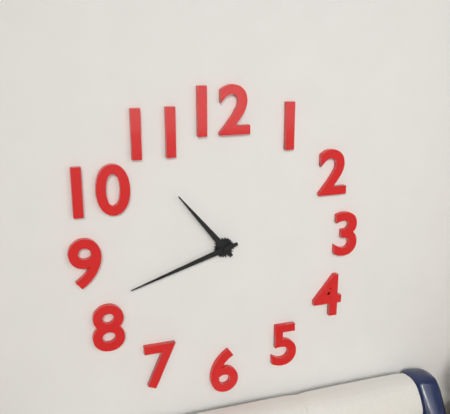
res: 10 h 42 min
